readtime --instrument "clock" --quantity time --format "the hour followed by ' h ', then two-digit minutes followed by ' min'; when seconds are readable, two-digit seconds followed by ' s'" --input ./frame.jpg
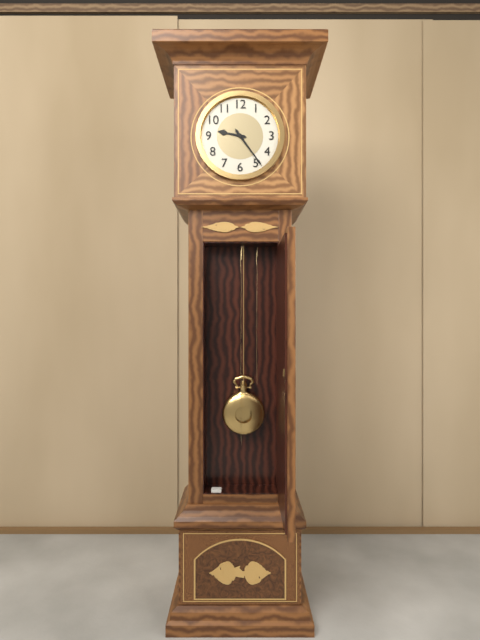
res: 9 h 24 min
